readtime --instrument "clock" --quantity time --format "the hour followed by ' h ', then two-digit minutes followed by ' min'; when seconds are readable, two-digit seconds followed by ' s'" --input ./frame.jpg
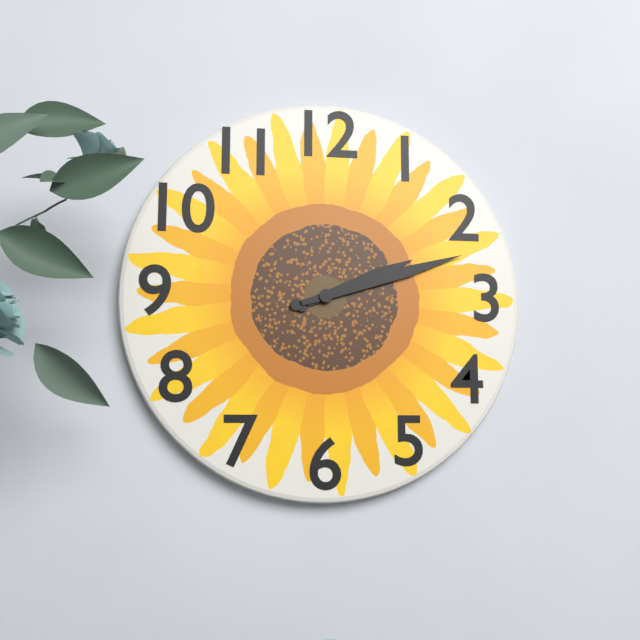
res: 2 h 12 min
